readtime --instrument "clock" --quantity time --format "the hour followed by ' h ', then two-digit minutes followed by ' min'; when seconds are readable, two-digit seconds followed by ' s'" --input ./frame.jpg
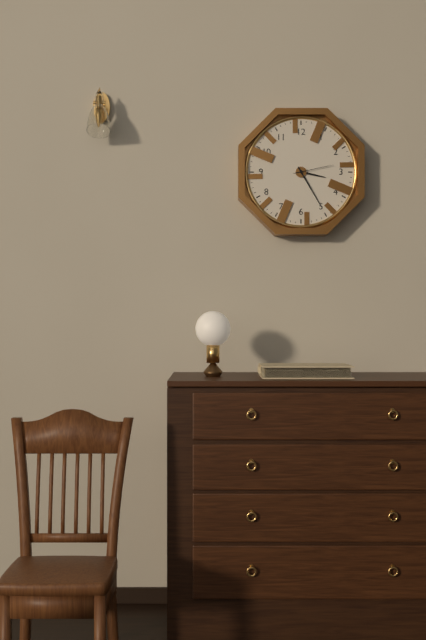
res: 3 h 25 min
